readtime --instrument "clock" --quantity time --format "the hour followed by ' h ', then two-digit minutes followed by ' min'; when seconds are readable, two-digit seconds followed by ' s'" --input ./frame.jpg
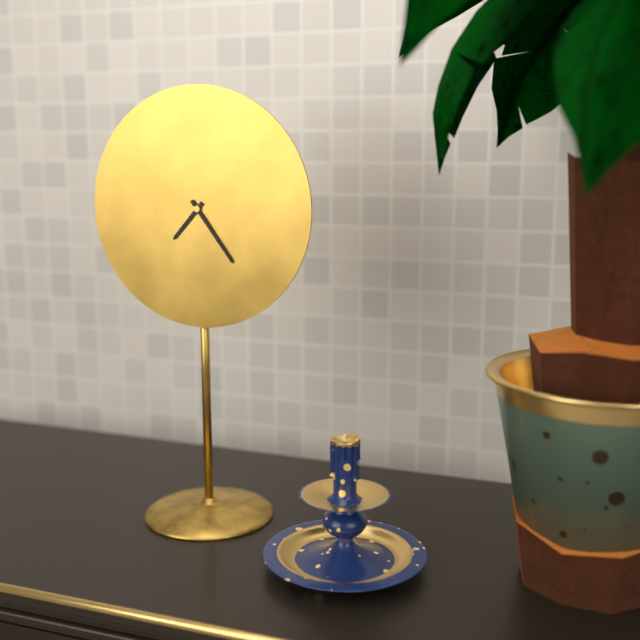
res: 7 h 24 min
